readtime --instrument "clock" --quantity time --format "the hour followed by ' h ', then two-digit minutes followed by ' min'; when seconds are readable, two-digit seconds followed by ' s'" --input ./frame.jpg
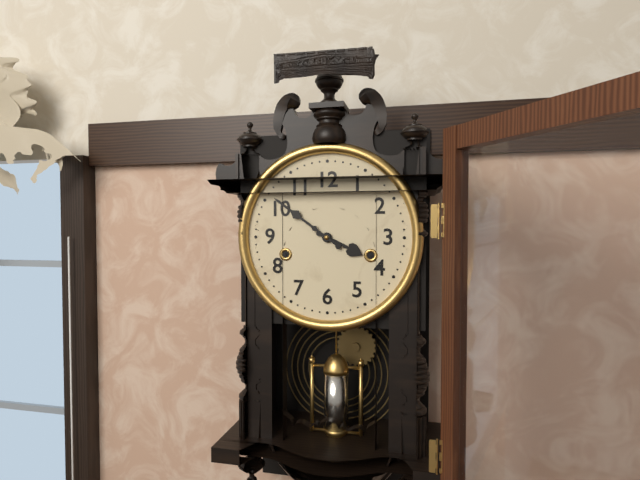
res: 3 h 51 min
